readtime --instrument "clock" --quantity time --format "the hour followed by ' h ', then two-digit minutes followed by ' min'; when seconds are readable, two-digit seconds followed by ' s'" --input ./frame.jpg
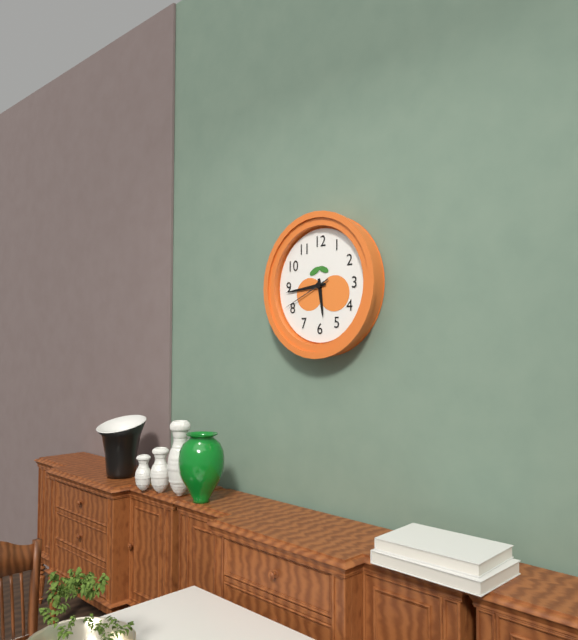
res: 5 h 44 min 41 s
